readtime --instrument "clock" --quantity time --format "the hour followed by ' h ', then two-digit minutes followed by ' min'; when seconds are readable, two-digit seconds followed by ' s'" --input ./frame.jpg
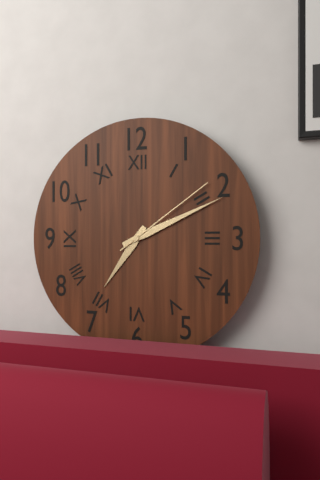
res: 7 h 11 min 09 s
